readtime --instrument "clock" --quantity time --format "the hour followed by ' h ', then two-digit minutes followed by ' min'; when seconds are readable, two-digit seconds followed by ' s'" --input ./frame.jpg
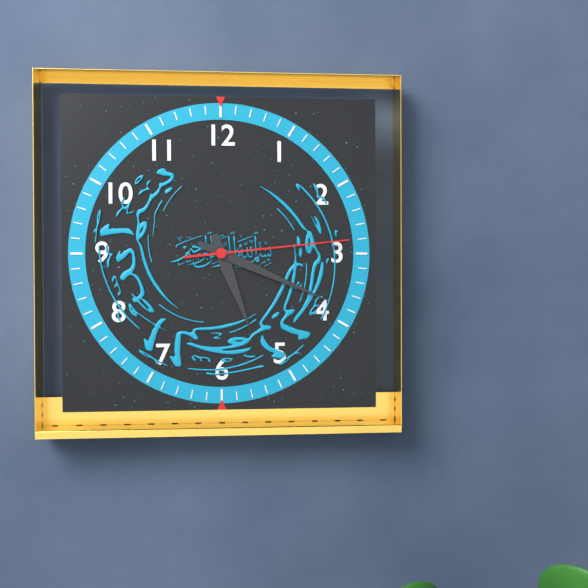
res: 5 h 19 min 14 s
